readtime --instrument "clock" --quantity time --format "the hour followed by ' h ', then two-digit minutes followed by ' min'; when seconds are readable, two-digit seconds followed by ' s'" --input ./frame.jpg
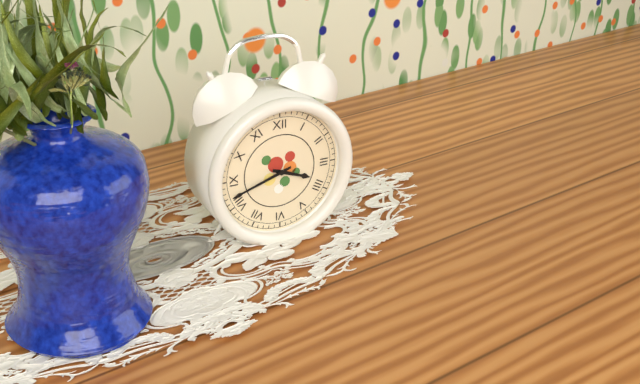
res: 3 h 42 min
